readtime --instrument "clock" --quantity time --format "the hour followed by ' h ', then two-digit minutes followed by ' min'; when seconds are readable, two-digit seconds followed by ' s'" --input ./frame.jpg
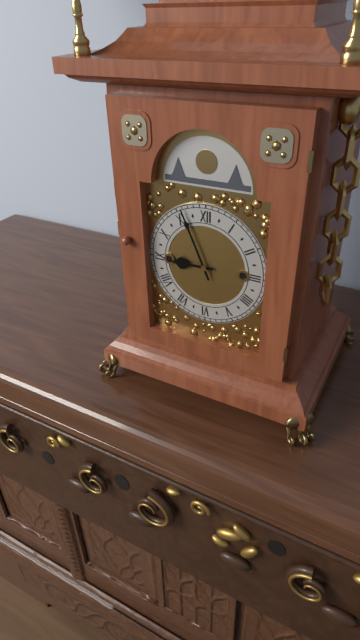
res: 8 h 56 min
